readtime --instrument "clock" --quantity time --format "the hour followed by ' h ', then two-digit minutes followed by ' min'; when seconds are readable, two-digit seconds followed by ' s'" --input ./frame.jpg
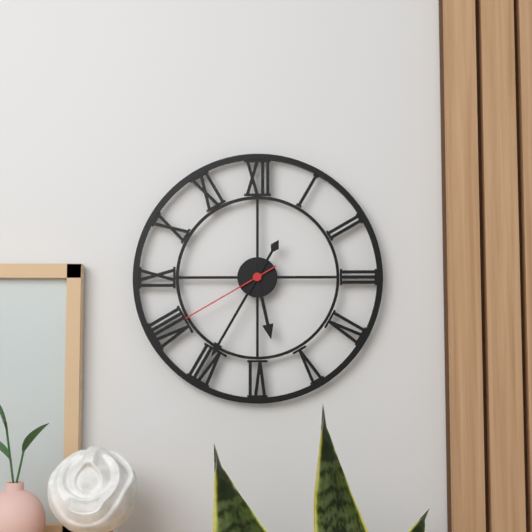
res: 5 h 35 min 40 s
